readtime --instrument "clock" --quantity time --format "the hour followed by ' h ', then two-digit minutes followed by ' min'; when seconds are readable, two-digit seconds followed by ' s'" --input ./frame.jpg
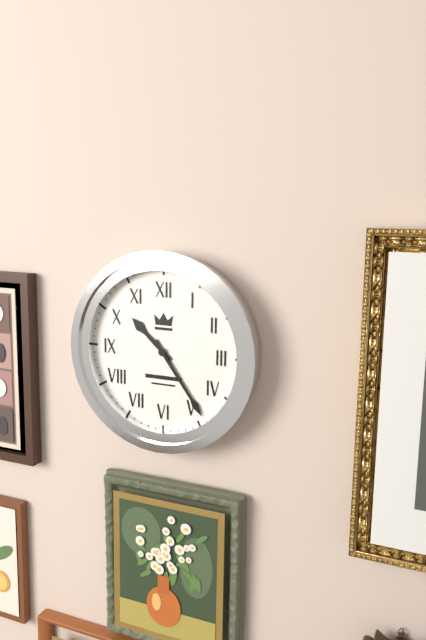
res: 10 h 24 min
